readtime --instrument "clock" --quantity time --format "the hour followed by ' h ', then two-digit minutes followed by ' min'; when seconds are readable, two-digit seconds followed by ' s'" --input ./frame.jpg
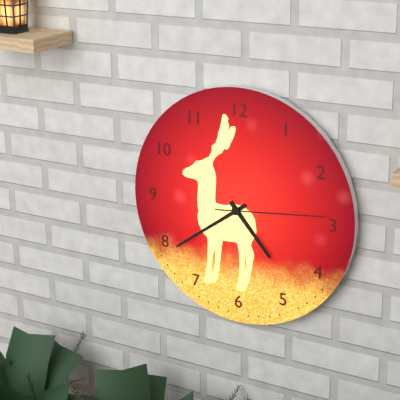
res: 4 h 39 min 14 s
